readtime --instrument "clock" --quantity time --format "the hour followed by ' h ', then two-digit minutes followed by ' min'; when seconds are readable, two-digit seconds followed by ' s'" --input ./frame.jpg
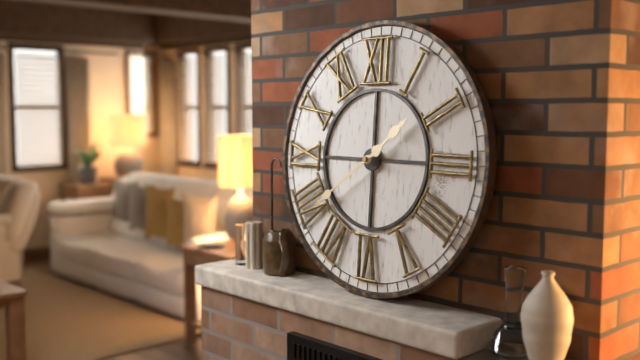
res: 1 h 39 min
